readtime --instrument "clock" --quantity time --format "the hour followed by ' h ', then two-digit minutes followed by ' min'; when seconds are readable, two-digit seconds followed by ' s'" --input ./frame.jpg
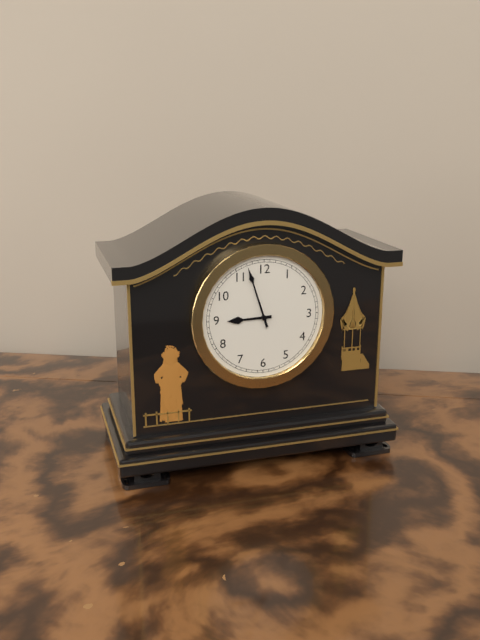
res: 8 h 57 min
